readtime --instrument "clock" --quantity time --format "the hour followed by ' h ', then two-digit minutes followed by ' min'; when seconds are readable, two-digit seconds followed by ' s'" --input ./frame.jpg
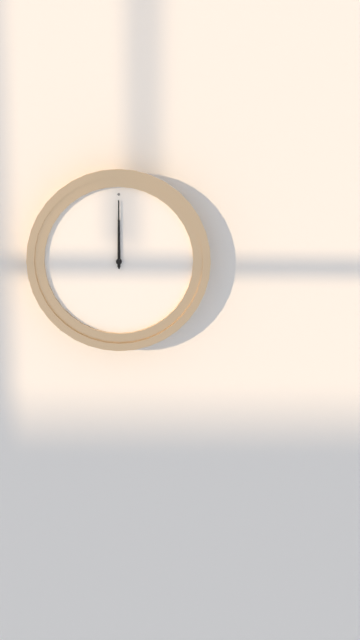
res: 12 h 00 min
